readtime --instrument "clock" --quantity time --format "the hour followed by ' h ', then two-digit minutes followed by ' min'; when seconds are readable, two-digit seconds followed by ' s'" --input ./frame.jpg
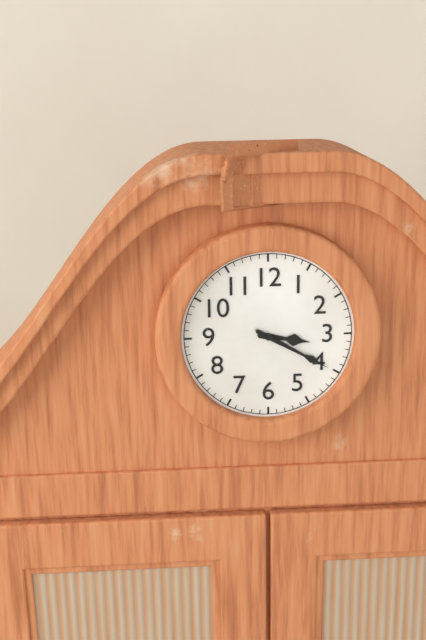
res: 3 h 20 min
